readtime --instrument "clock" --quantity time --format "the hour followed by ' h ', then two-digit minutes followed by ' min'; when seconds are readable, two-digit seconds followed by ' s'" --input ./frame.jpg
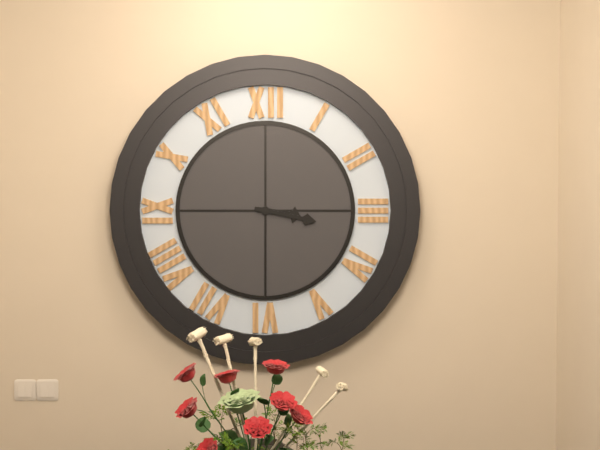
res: 3 h 17 min
